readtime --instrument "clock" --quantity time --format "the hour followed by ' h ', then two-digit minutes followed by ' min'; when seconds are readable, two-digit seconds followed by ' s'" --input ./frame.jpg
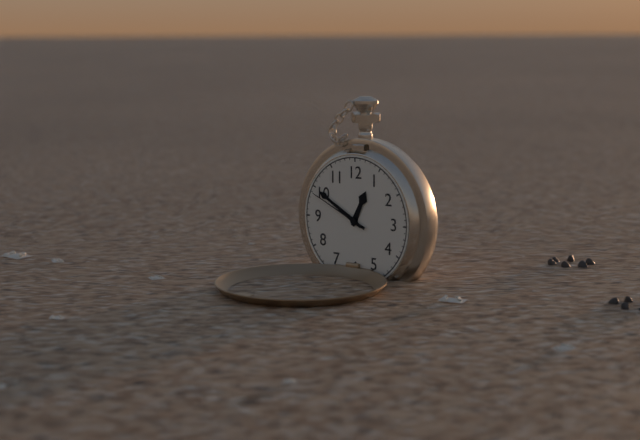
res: 12 h 50 min 49 s
